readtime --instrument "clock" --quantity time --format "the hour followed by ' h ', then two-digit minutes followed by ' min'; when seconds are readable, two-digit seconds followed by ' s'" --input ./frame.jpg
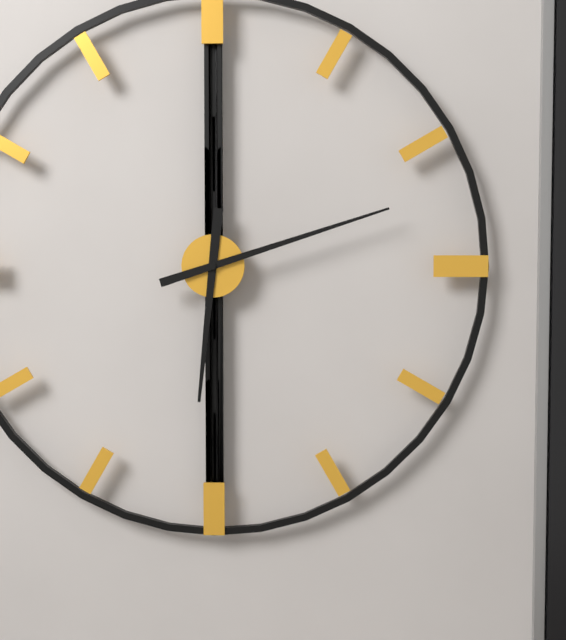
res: 6 h 12 min
